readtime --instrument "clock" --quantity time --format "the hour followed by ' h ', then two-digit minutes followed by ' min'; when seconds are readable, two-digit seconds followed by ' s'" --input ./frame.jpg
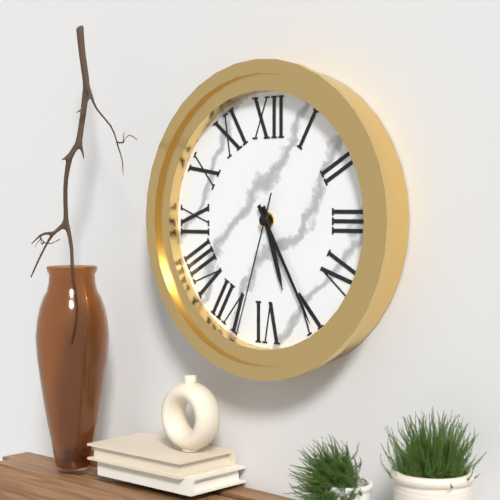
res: 5 h 25 min 33 s
